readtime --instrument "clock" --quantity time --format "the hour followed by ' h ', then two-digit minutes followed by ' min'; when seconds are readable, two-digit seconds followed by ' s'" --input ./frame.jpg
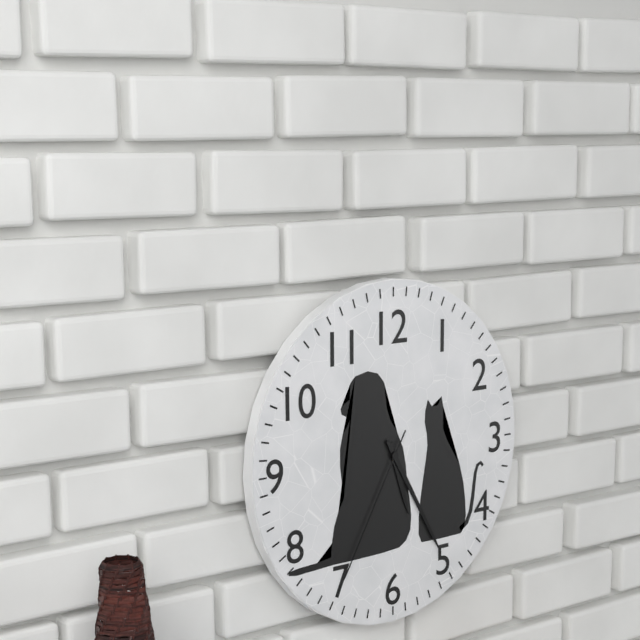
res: 5 h 25 min 35 s
